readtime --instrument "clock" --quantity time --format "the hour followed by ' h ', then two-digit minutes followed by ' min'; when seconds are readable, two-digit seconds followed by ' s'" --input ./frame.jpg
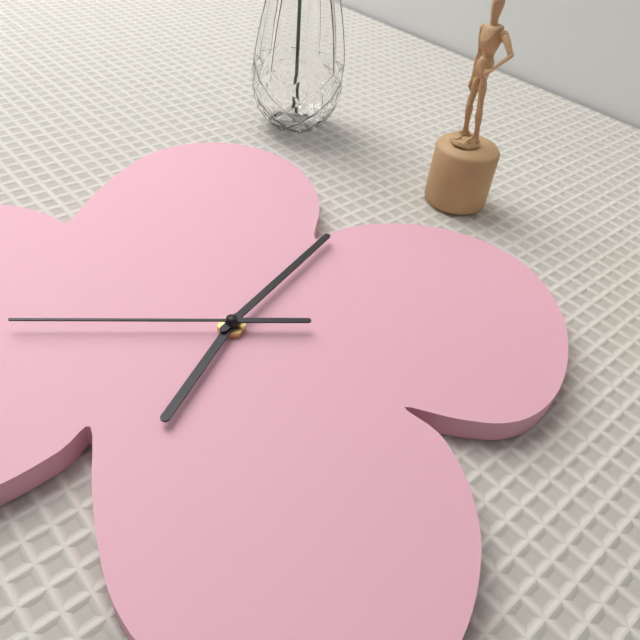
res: 6 h 02 min 41 s
